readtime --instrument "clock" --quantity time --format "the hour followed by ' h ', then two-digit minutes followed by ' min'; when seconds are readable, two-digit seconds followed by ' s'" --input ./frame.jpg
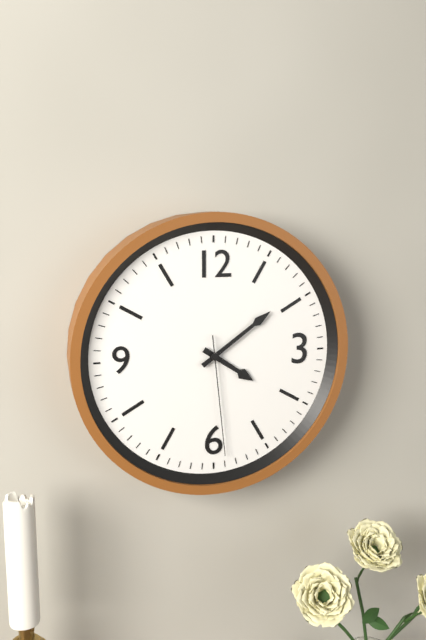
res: 4 h 09 min 29 s
